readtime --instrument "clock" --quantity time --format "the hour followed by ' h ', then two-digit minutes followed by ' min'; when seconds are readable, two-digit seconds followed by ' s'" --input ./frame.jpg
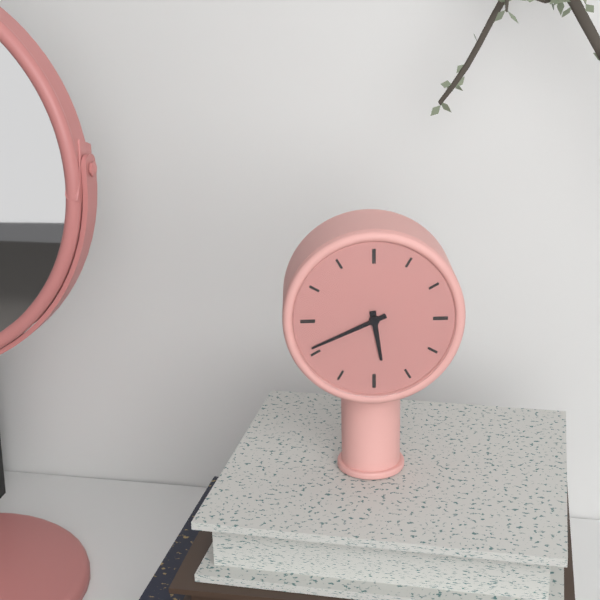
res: 5 h 41 min
